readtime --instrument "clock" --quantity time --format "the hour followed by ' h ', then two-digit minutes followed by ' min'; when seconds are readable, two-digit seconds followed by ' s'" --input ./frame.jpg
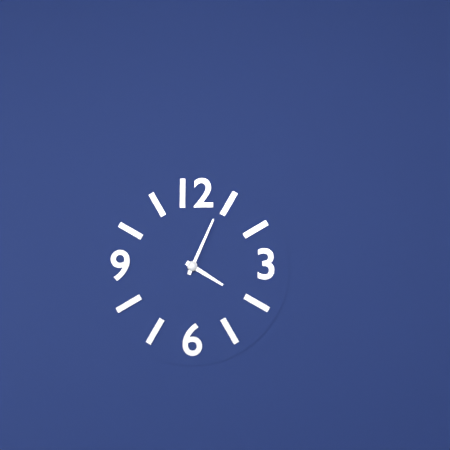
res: 4 h 04 min
